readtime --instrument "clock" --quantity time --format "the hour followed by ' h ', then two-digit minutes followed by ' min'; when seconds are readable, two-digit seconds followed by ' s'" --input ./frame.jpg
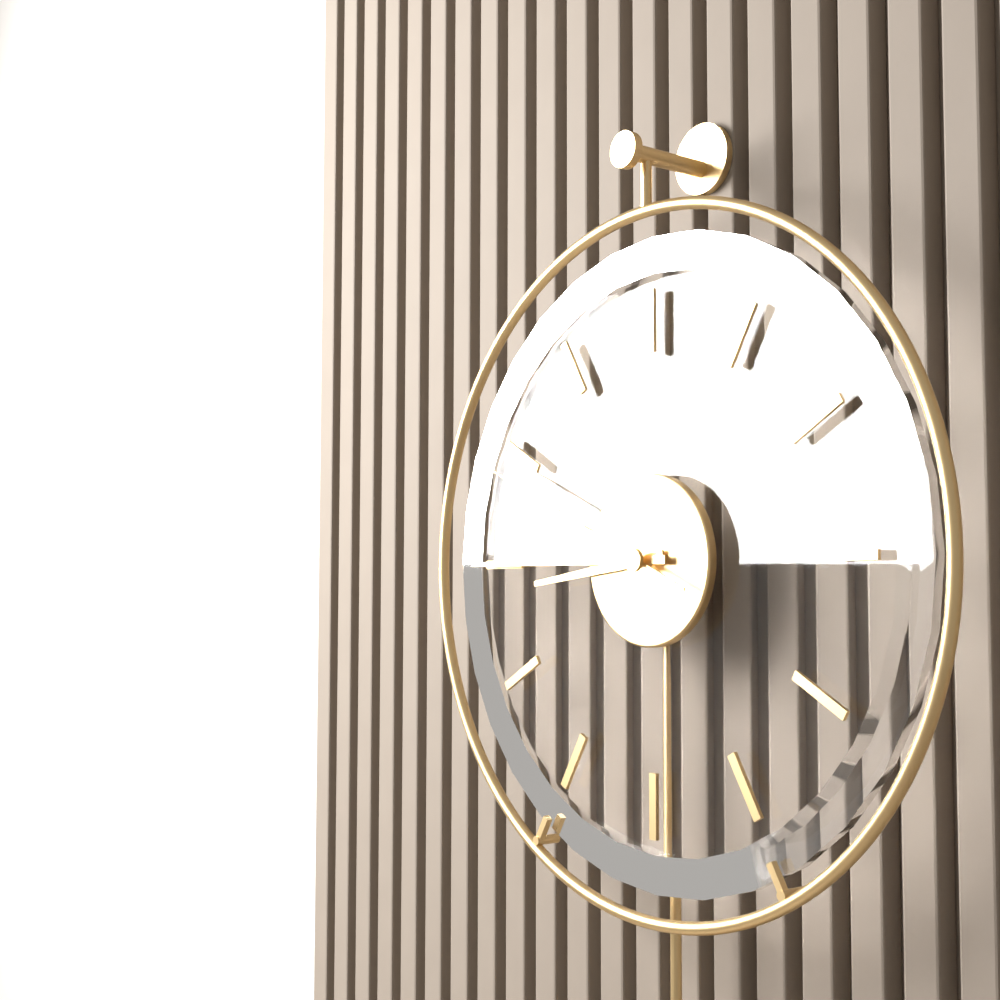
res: 8 h 45 min 49 s
